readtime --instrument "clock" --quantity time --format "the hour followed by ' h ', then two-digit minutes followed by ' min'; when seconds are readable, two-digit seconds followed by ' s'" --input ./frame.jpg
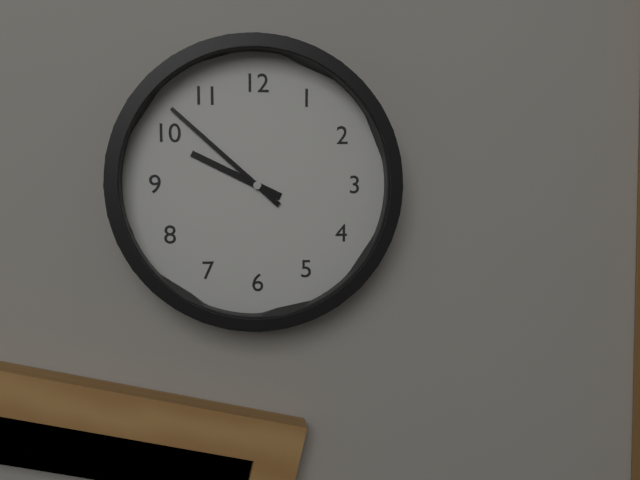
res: 9 h 52 min
